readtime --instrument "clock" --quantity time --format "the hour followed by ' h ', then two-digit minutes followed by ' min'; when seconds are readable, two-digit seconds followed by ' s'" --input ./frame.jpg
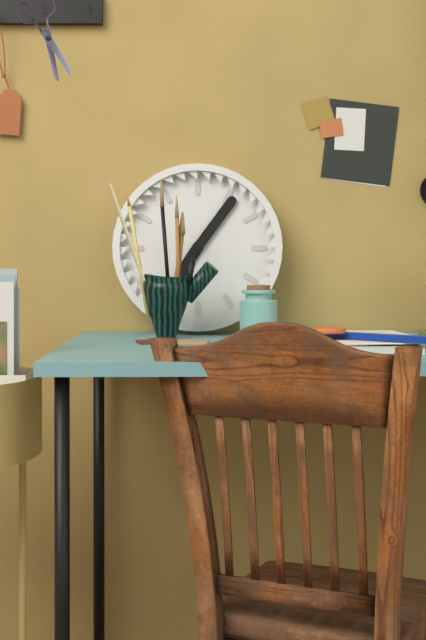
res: 7 h 06 min
